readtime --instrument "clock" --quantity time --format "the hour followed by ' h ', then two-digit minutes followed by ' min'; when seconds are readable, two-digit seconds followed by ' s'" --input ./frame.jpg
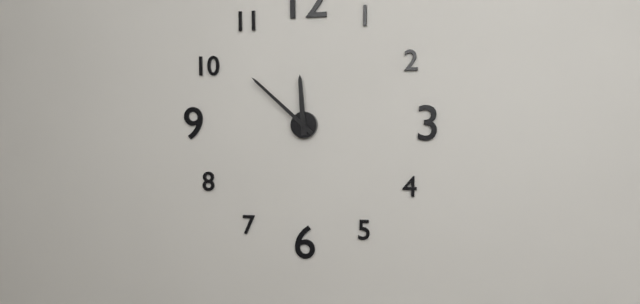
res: 11 h 52 min
